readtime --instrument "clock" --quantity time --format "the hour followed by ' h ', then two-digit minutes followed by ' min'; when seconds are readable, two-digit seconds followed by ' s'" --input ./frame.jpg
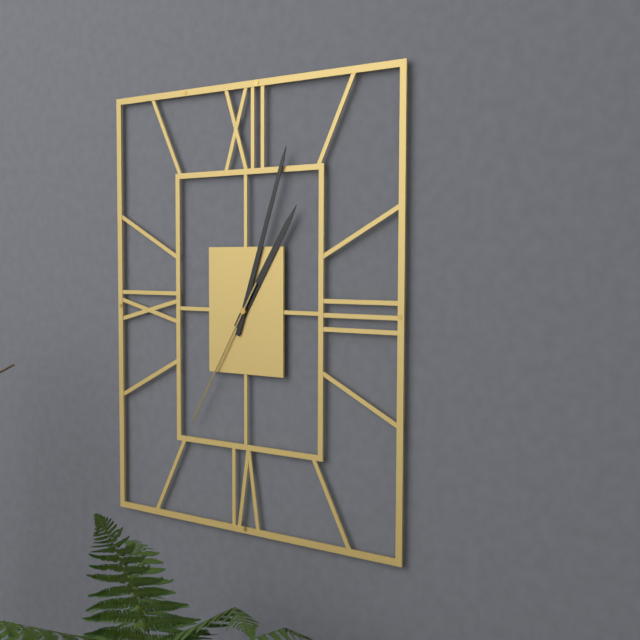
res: 1 h 03 min 35 s
